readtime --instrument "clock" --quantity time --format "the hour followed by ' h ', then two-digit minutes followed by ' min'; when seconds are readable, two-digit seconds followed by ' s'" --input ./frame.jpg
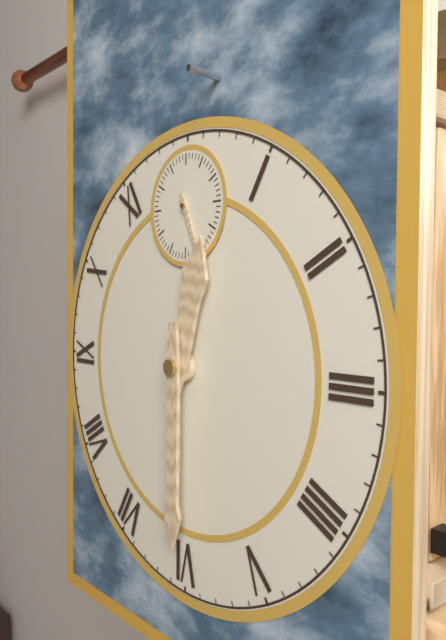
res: 12 h 30 min 26 s
